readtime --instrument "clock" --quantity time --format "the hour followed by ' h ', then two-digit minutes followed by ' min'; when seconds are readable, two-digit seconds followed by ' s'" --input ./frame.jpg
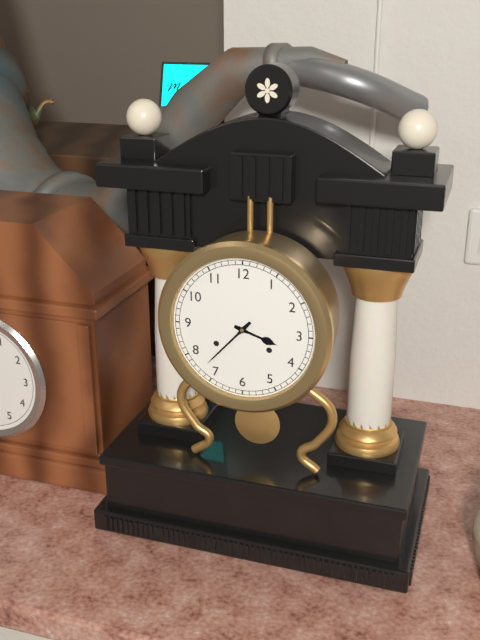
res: 3 h 37 min
